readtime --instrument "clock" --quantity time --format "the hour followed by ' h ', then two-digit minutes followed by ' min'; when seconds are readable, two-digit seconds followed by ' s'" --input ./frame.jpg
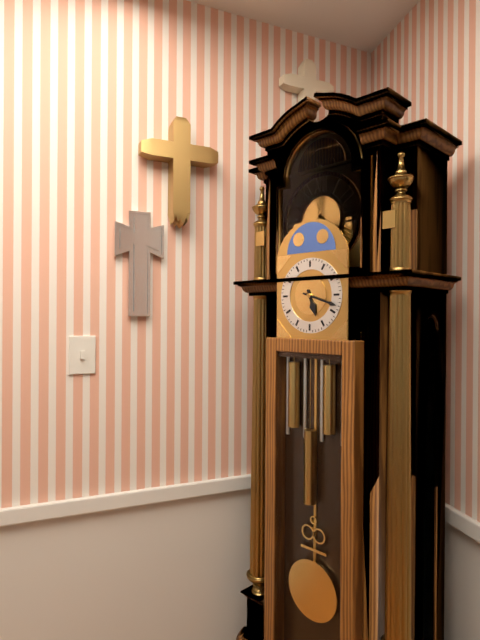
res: 5 h 18 min
